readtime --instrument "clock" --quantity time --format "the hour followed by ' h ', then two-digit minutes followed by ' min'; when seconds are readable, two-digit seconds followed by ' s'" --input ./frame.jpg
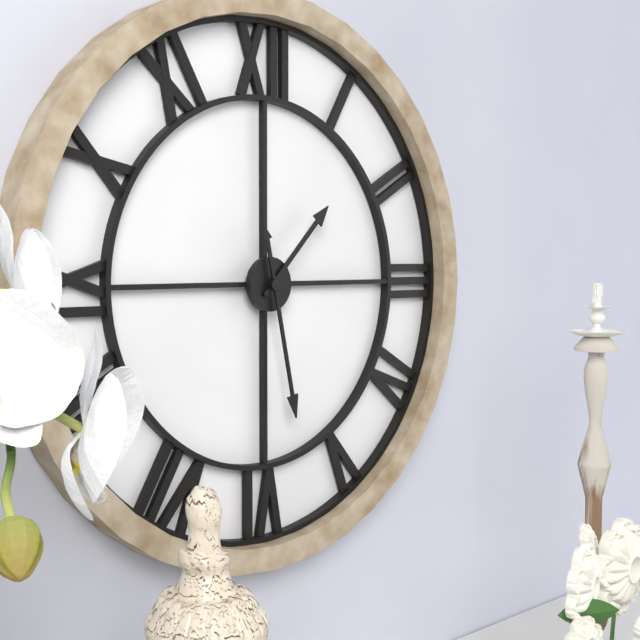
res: 1 h 28 min
